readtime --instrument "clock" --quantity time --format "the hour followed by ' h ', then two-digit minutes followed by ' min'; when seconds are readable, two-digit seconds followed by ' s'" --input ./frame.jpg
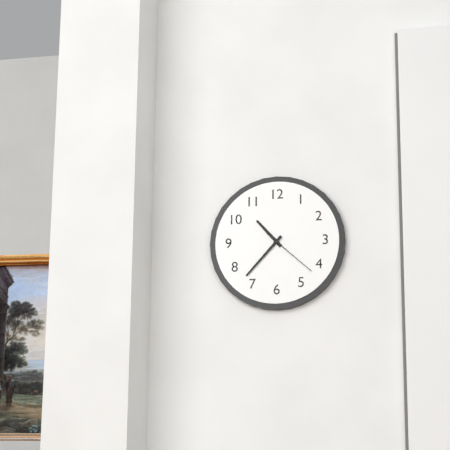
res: 10 h 37 min 22 s
